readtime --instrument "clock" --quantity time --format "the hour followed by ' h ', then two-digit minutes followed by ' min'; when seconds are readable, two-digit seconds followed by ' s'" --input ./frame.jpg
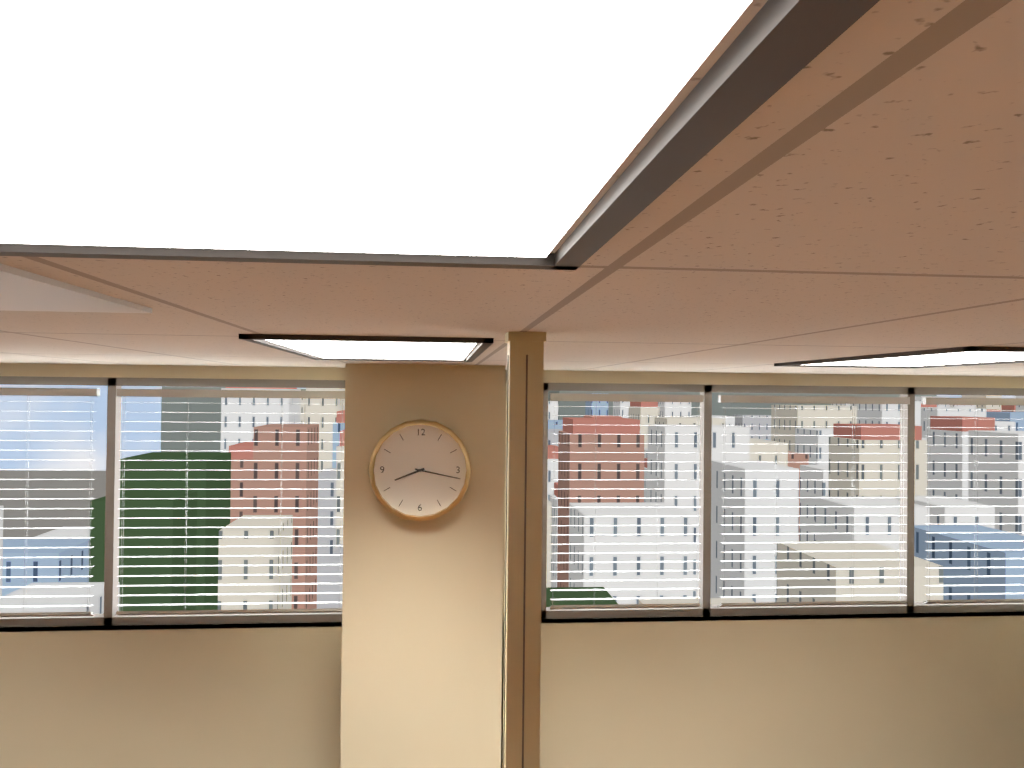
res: 8 h 17 min
